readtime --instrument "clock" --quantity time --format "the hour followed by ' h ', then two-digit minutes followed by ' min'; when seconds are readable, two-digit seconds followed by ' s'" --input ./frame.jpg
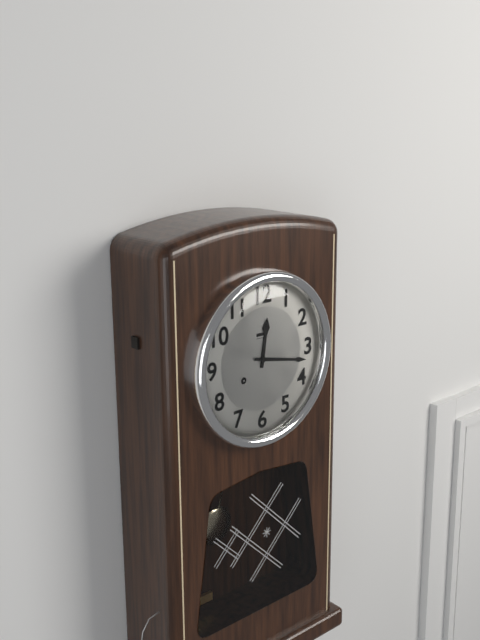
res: 12 h 17 min
